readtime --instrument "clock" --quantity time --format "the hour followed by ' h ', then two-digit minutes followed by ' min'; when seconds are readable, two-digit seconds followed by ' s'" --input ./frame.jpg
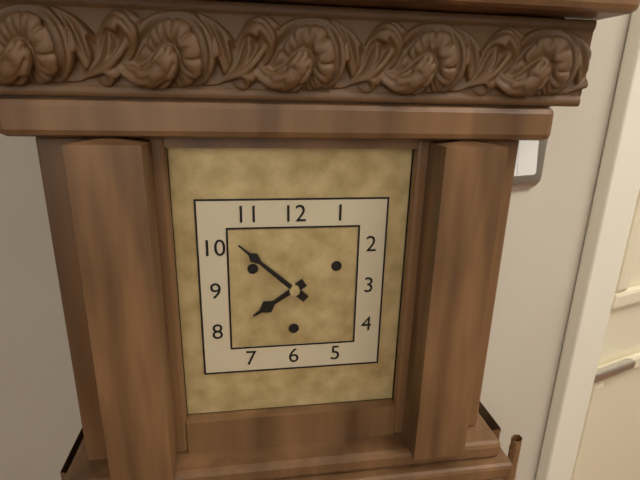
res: 7 h 52 min
